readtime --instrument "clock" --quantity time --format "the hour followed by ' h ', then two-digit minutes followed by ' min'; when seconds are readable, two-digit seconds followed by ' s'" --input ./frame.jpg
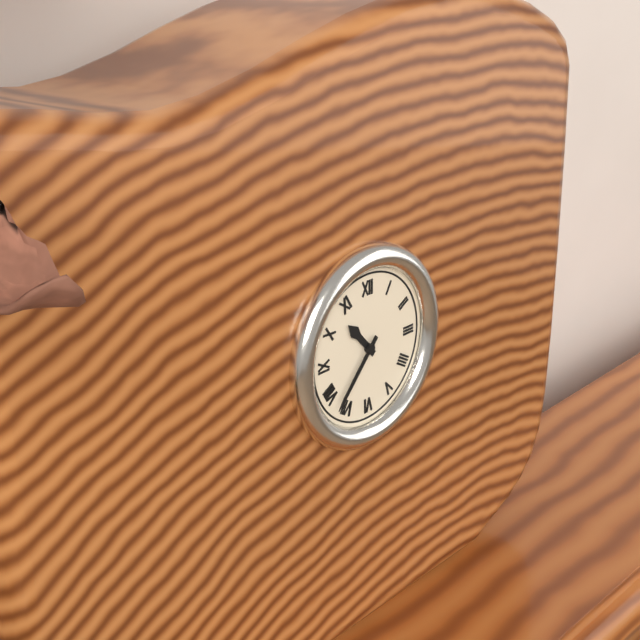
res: 10 h 37 min
